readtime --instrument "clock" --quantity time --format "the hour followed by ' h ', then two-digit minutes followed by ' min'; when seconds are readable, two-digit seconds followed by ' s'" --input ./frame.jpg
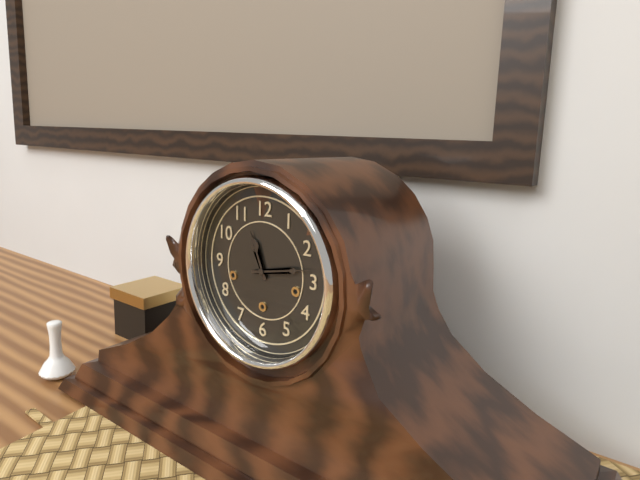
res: 11 h 13 min
